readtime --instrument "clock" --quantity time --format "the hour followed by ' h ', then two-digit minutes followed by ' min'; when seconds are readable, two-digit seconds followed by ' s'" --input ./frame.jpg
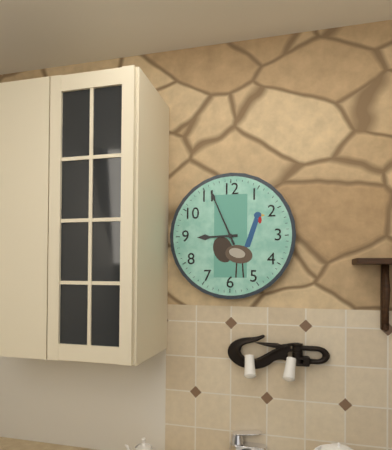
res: 8 h 56 min
